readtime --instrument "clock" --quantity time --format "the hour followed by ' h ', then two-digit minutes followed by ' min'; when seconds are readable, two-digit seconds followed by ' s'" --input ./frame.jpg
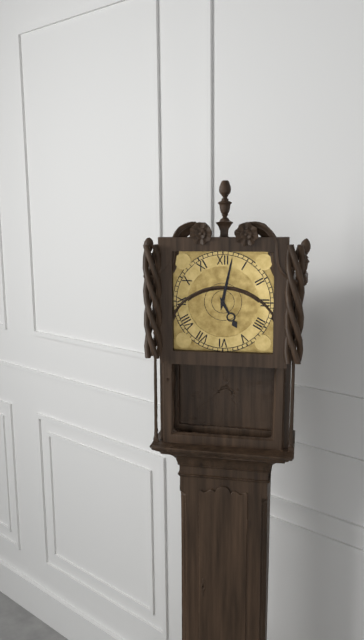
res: 5 h 02 min
